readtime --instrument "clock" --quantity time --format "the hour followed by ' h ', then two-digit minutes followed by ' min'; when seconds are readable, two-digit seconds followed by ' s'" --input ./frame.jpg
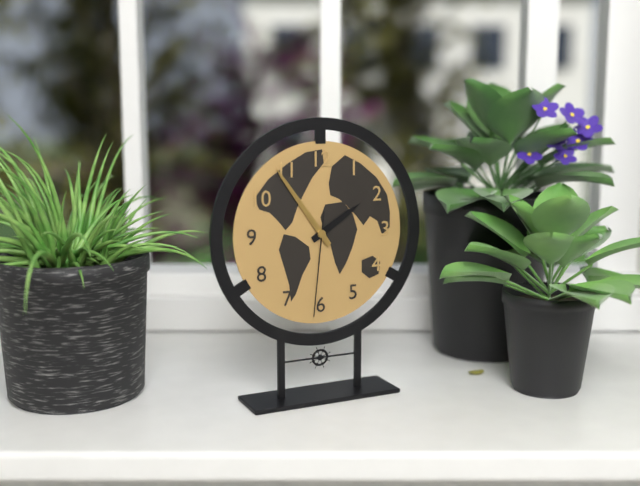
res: 1 h 54 min 31 s
